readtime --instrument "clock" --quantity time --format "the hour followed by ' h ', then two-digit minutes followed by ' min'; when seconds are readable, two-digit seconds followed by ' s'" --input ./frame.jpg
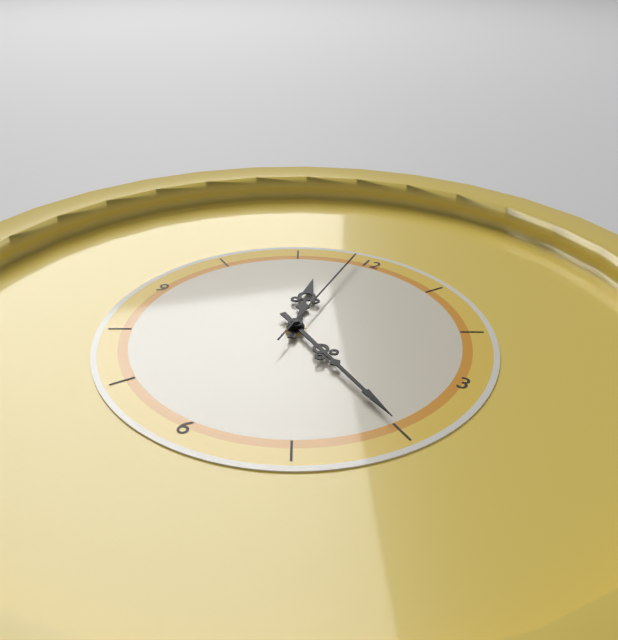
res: 11 h 20 min 59 s
